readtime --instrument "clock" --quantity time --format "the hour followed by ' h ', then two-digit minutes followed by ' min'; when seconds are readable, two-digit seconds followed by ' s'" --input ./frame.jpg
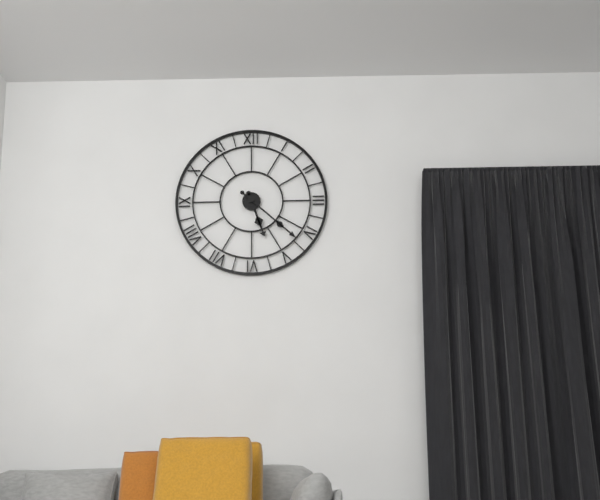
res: 5 h 22 min
